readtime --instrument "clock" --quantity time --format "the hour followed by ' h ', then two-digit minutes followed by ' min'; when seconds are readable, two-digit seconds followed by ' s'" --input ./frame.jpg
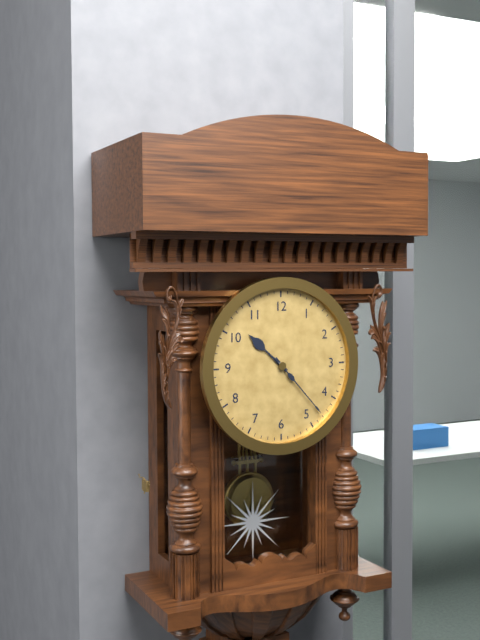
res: 10 h 23 min
